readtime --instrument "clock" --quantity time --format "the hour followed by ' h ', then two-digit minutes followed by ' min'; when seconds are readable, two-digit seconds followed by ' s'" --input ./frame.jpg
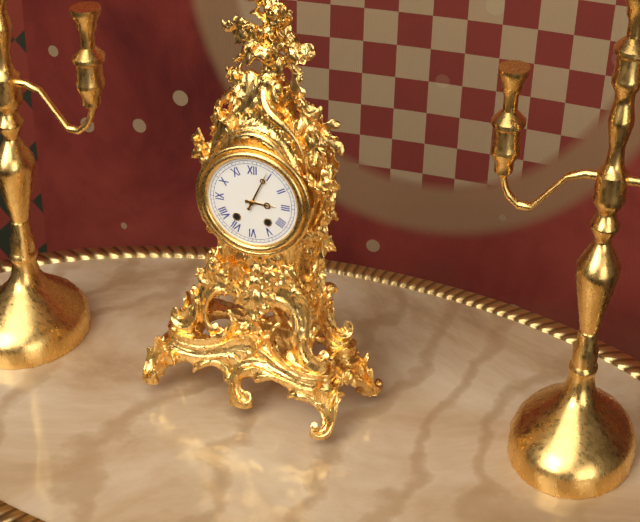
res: 3 h 04 min
